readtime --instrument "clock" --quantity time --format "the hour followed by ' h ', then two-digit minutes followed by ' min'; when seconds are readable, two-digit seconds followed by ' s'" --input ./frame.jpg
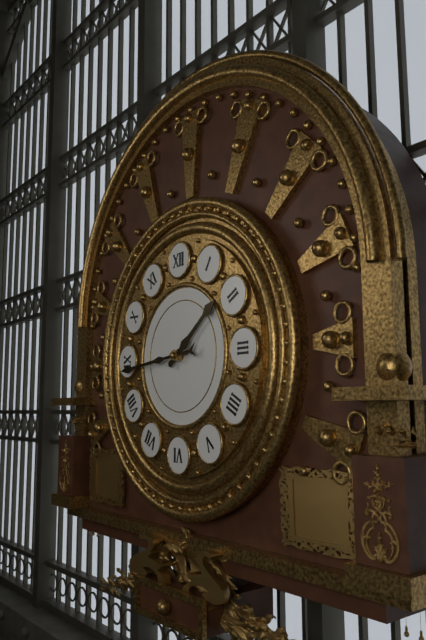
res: 1 h 44 min
